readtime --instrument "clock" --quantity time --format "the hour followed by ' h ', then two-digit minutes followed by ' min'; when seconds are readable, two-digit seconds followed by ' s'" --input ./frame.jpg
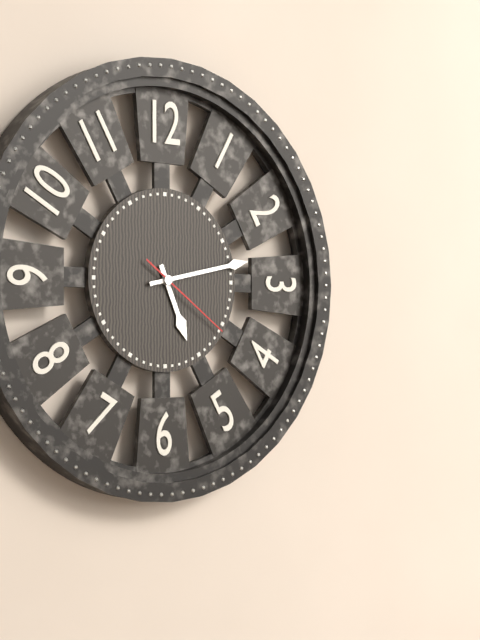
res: 5 h 13 min 21 s
